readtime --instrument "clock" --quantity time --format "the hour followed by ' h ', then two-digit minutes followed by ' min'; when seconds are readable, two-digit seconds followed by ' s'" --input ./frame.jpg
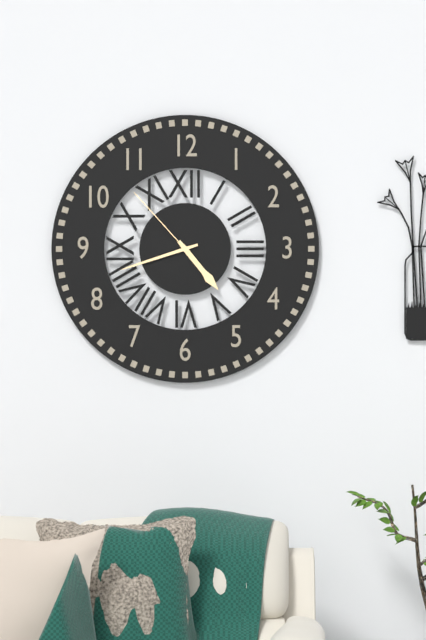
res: 4 h 42 min 53 s
